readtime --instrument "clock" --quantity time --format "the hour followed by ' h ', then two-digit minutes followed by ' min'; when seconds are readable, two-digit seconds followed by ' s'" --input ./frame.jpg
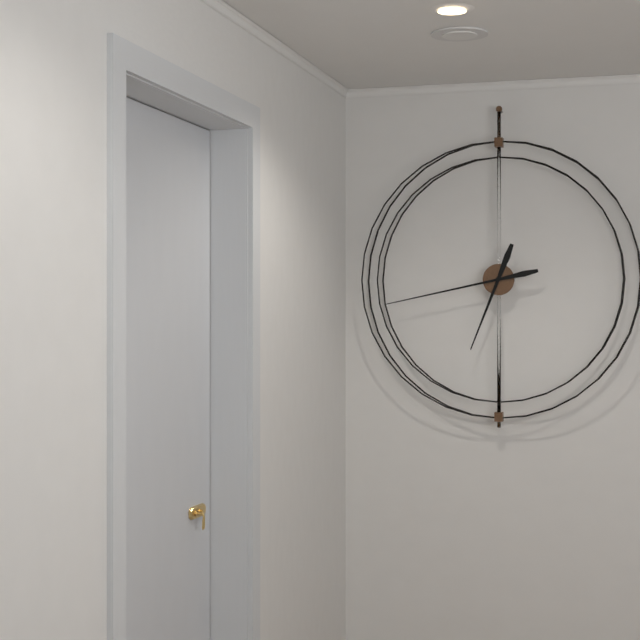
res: 6 h 43 min
